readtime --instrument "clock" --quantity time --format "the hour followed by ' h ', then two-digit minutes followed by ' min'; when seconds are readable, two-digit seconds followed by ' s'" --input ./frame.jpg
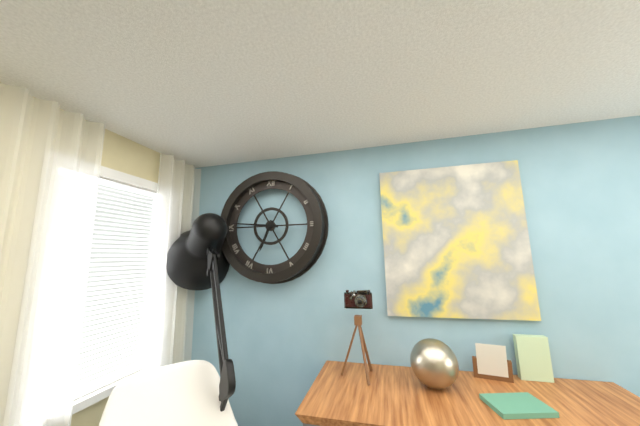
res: 6 h 46 min
